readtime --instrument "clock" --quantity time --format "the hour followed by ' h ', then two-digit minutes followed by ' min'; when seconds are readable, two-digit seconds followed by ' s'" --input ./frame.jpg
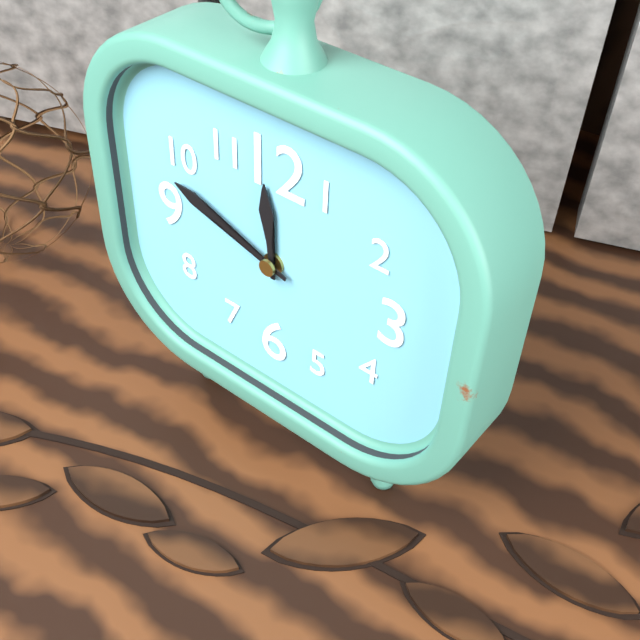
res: 11 h 48 min
